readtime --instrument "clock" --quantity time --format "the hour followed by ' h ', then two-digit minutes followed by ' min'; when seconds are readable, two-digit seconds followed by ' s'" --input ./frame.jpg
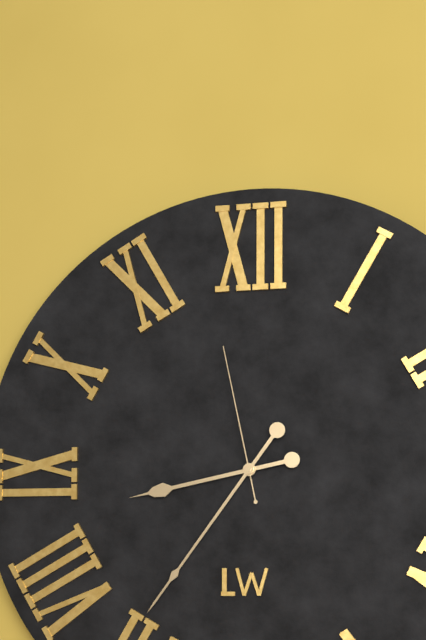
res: 8 h 36 min 58 s
